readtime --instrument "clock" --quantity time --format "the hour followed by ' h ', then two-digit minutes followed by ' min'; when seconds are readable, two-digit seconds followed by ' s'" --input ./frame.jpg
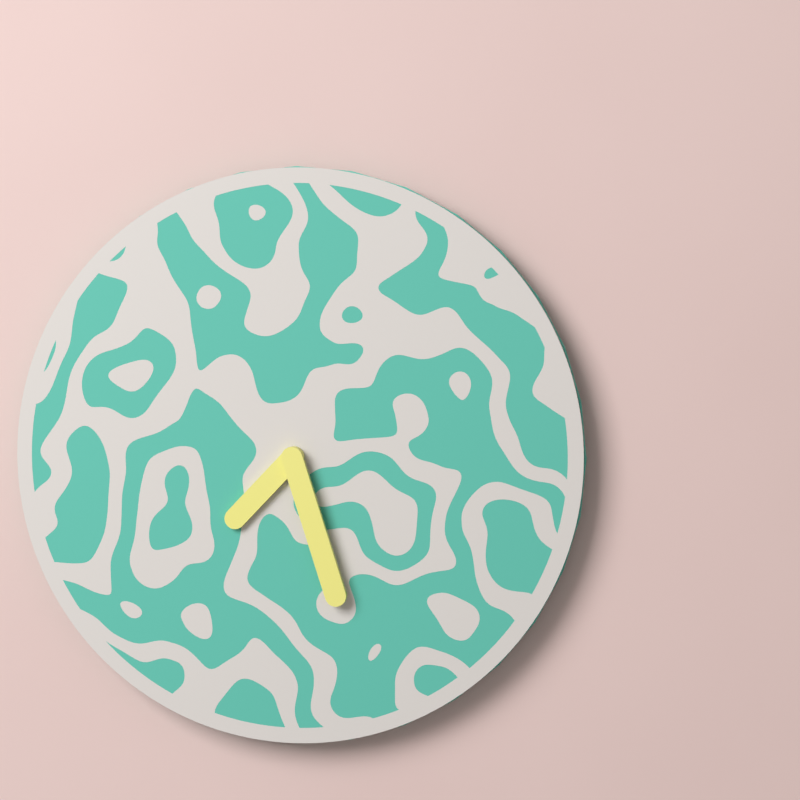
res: 7 h 27 min
